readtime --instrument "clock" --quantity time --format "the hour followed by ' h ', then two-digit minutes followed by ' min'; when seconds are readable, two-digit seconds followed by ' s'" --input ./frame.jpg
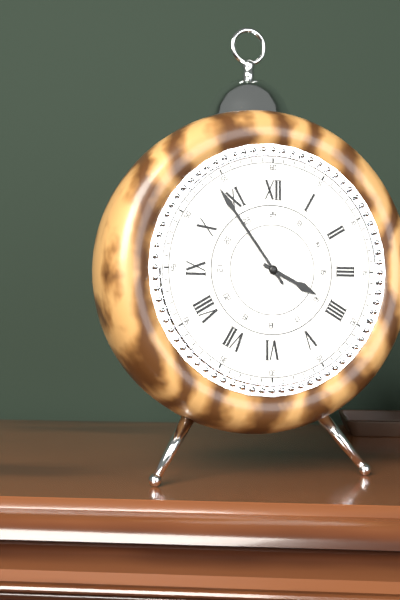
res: 3 h 54 min
